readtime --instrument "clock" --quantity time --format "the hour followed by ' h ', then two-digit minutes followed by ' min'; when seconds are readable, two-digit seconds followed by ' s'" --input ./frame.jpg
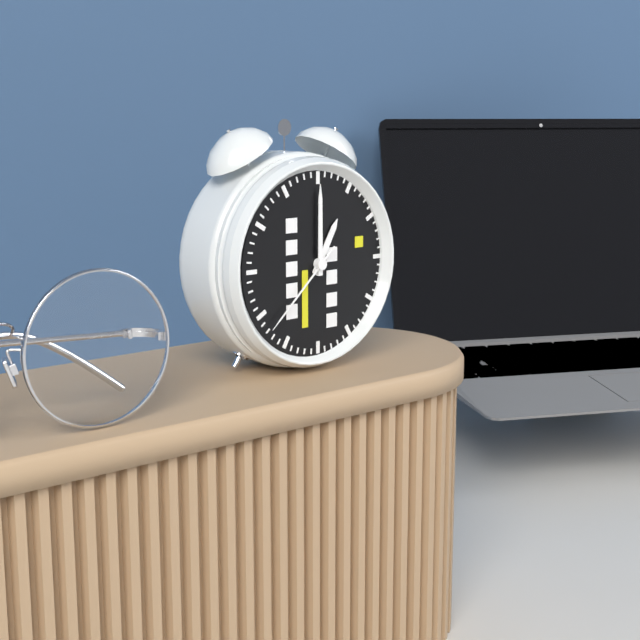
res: 1 h 00 min 38 s
